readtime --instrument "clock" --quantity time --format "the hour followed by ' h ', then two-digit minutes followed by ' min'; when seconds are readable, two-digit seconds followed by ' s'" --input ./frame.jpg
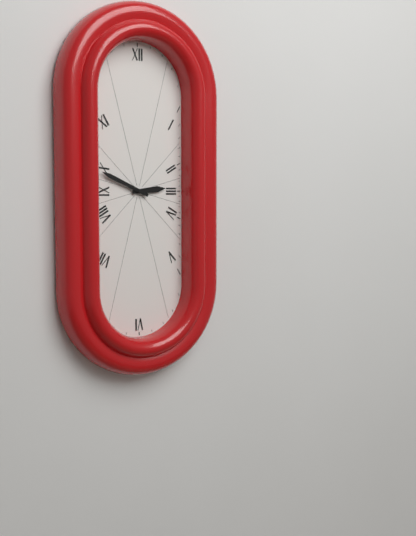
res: 2 h 49 min
